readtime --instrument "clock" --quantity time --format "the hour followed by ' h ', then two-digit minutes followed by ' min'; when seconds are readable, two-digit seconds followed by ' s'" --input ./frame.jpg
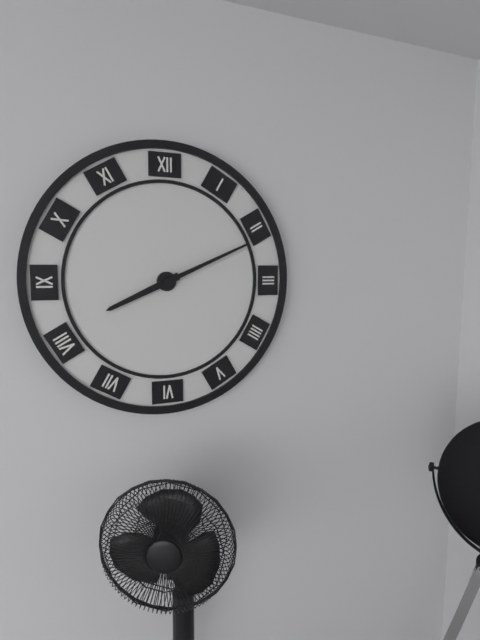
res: 8 h 11 min
